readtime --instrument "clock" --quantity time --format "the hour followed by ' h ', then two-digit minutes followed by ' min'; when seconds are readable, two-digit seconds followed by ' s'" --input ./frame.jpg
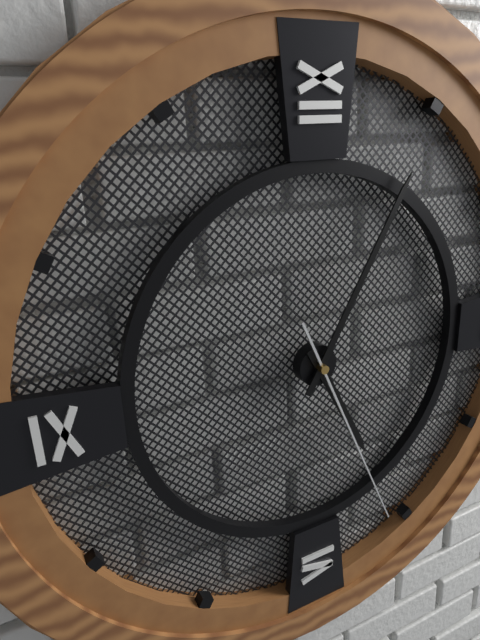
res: 5 h 05 min 26 s
